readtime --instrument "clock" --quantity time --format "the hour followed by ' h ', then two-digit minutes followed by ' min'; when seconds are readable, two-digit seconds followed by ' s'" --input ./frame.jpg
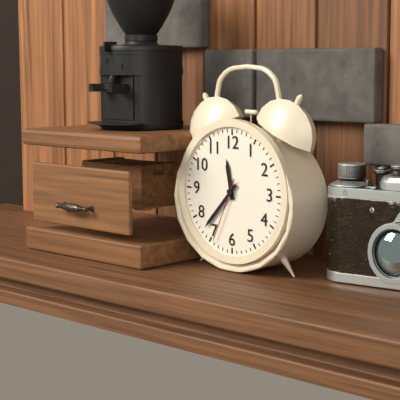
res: 11 h 37 min 34 s
